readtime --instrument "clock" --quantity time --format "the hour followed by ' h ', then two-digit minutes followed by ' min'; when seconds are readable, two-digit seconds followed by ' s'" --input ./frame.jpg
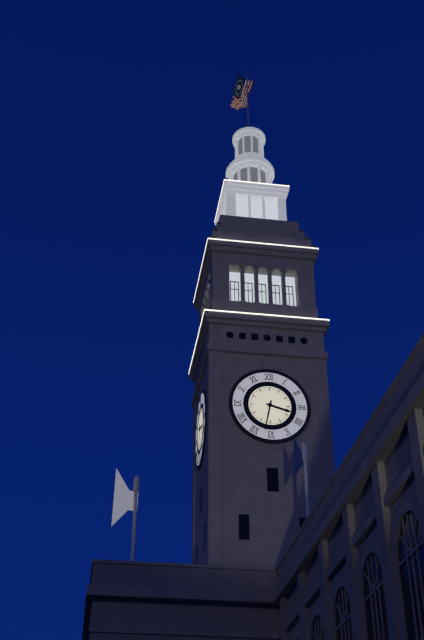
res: 3 h 32 min
